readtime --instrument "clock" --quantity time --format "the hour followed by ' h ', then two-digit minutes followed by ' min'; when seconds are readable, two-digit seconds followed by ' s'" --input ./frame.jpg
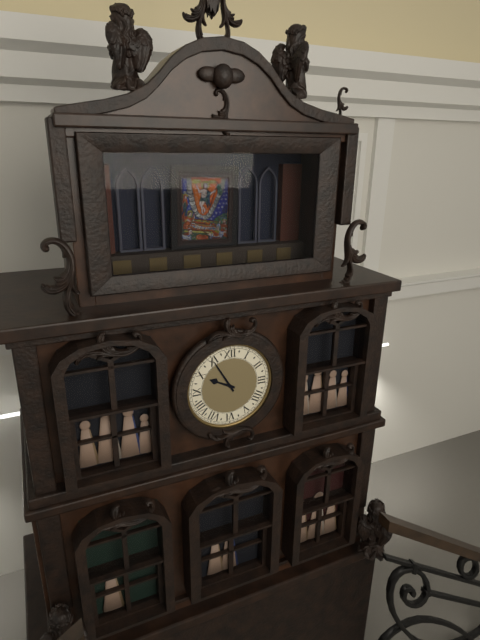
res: 9 h 55 min
